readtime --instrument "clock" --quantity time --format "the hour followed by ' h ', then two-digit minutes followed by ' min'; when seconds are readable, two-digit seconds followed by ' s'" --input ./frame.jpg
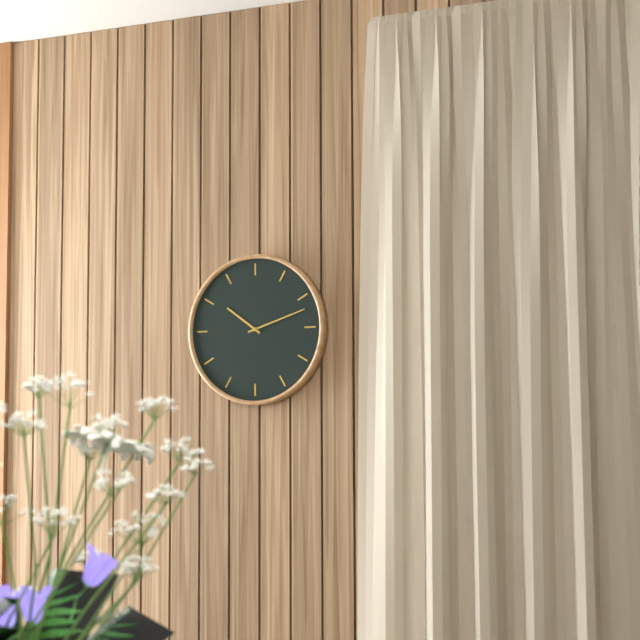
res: 10 h 12 min
